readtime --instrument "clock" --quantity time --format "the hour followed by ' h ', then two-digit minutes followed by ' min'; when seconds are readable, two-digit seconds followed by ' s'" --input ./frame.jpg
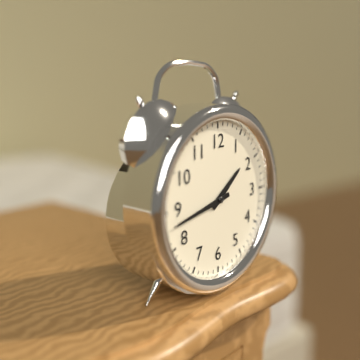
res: 1 h 43 min
